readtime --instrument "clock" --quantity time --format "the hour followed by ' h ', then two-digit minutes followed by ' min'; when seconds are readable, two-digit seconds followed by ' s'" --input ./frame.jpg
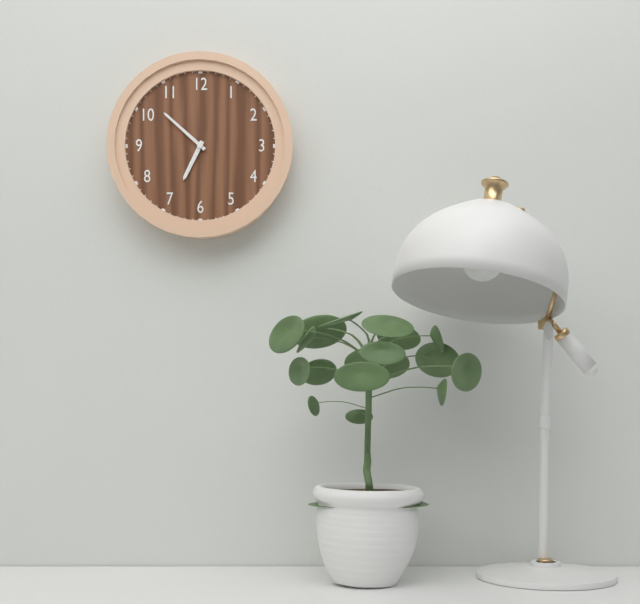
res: 6 h 52 min
